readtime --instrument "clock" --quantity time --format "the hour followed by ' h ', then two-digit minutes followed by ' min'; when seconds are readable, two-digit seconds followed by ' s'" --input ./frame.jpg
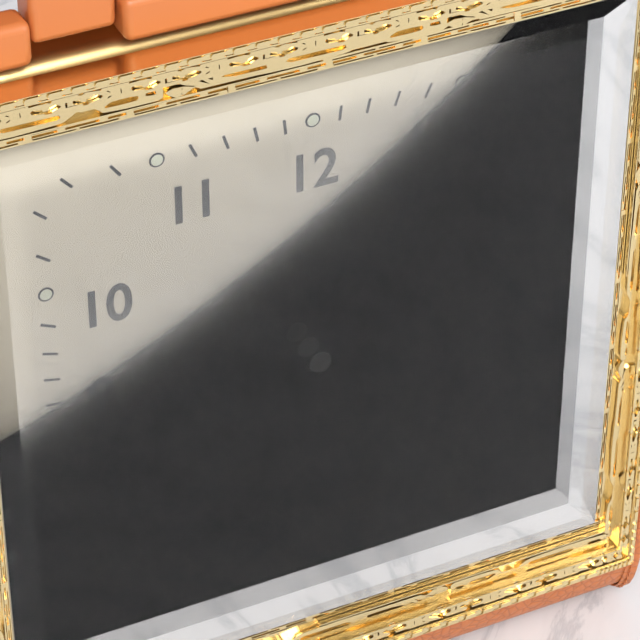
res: 1 h 42 min
